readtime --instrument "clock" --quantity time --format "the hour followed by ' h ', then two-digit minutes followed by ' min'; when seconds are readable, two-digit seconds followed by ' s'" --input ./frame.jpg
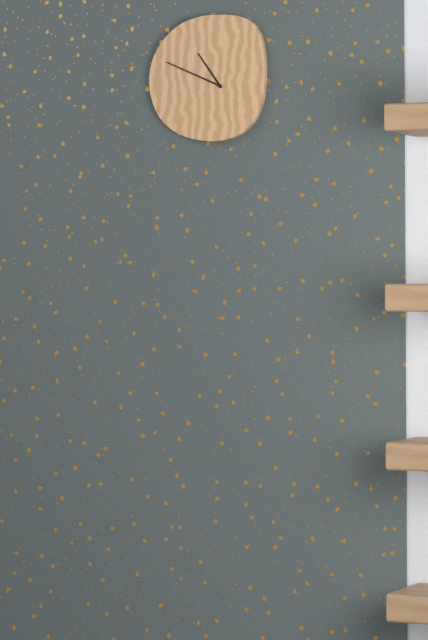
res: 10 h 49 min
